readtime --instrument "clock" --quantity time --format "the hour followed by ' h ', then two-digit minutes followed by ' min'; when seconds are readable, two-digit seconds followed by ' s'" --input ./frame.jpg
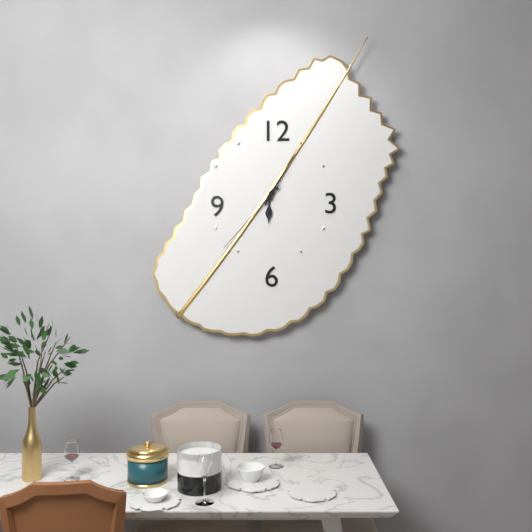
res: 6 h 05 min 37 s
